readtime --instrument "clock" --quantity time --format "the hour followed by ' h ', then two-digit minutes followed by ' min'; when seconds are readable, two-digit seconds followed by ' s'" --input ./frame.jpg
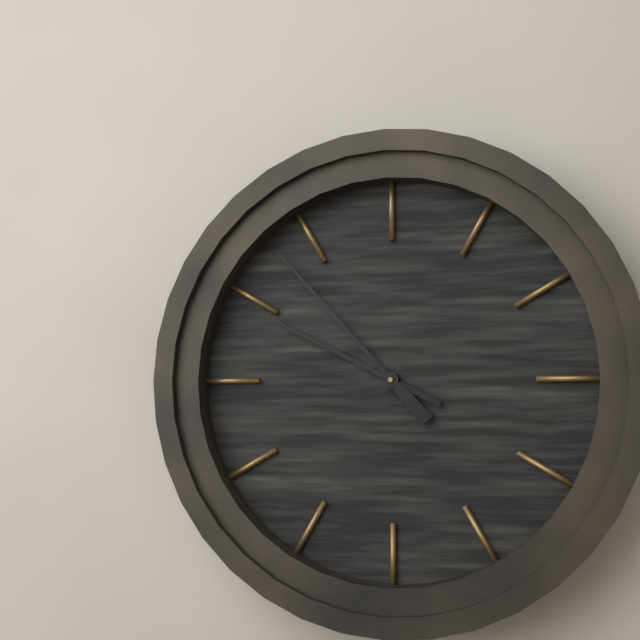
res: 9 h 53 min
